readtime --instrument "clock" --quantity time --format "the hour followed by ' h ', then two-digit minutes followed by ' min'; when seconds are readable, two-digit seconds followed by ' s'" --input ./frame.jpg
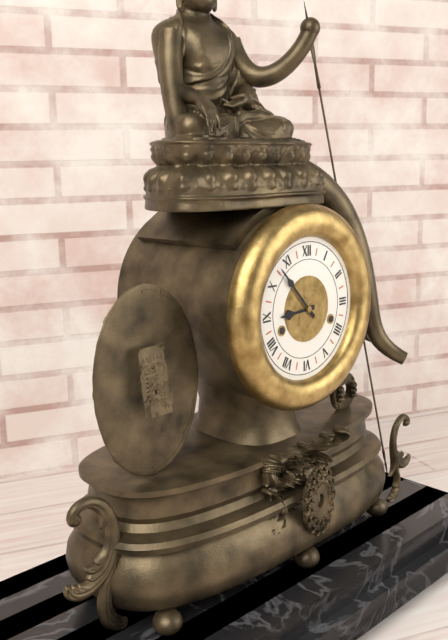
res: 8 h 53 min
